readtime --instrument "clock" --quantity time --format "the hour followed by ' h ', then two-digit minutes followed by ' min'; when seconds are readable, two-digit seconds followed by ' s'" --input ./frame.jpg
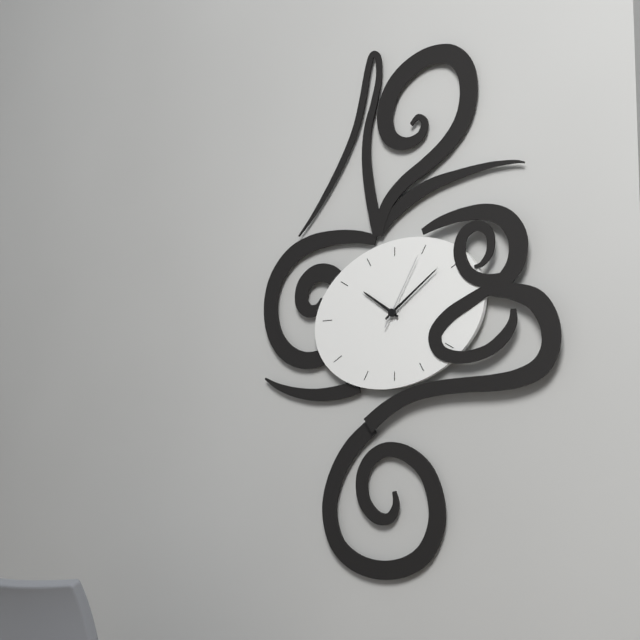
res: 10 h 09 min 05 s
